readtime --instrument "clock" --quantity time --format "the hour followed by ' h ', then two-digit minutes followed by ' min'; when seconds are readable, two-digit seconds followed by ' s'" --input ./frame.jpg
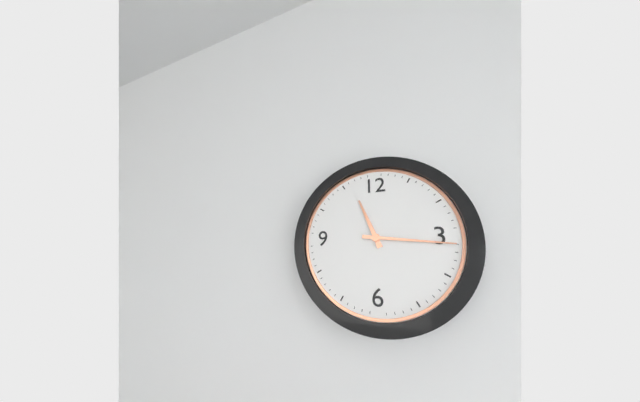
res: 11 h 16 min
